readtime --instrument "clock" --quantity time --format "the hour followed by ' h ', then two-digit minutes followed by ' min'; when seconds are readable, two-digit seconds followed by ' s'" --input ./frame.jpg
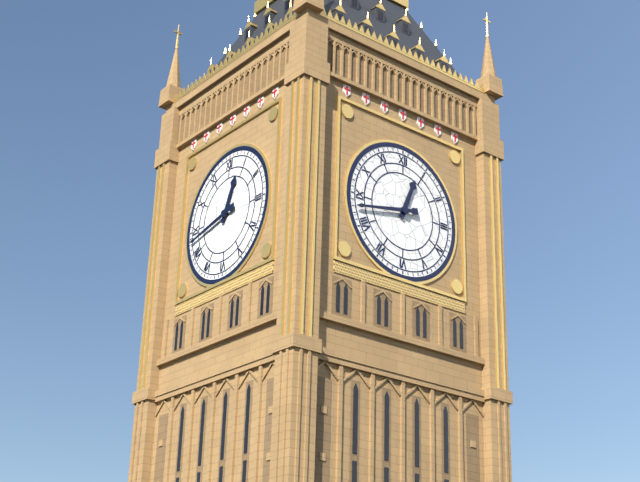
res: 12 h 43 min
